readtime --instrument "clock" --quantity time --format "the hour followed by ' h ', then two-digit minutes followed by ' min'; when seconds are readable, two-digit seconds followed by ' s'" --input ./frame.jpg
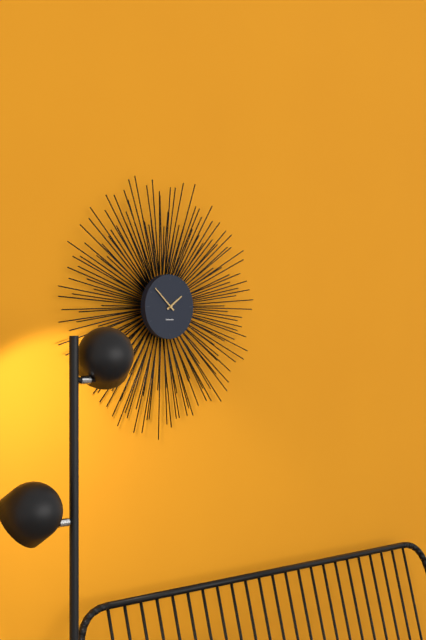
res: 1 h 52 min
